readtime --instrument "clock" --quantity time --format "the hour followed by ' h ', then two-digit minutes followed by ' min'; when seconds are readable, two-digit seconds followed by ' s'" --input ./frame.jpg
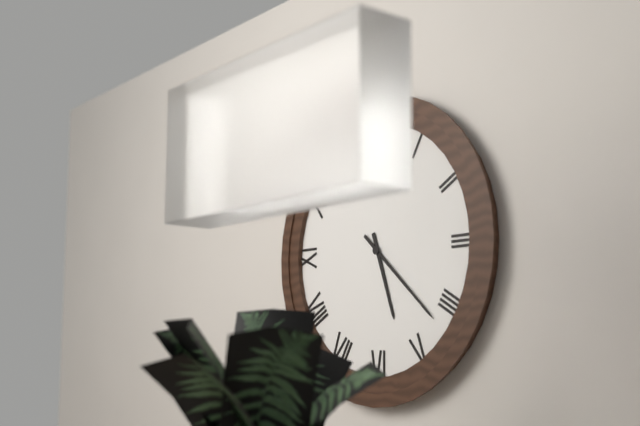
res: 5 h 22 min
